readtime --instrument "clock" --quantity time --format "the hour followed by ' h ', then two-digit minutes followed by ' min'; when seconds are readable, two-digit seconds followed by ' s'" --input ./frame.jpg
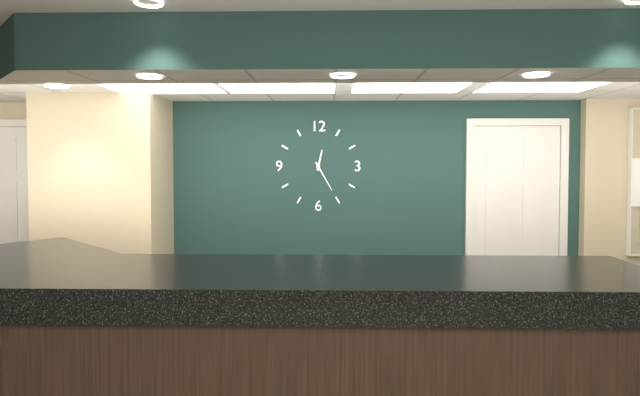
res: 12 h 25 min
